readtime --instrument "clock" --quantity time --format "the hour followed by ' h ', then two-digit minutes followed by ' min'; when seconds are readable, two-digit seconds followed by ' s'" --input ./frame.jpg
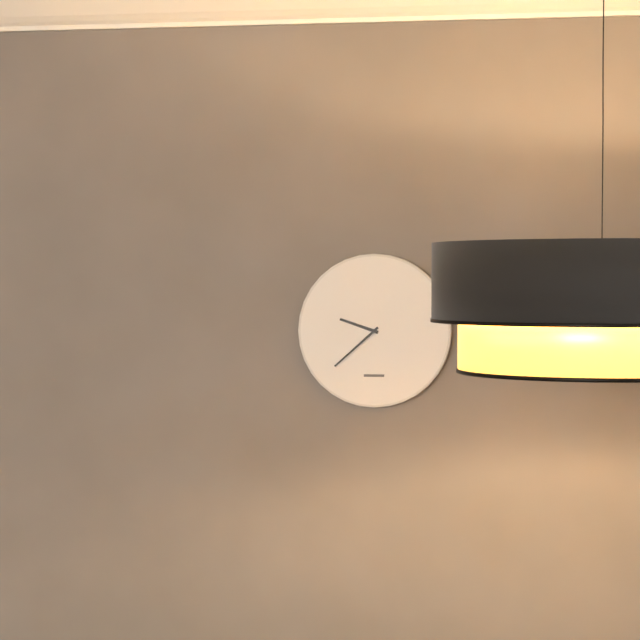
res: 9 h 38 min
